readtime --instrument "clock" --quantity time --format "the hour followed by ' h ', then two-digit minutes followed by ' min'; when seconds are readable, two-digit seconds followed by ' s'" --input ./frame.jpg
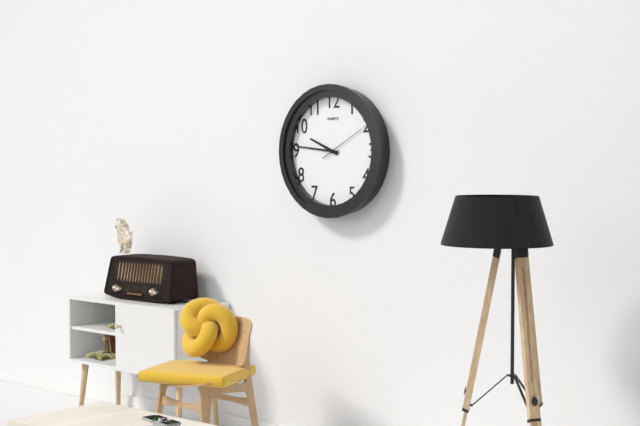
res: 9 h 46 min 10 s
